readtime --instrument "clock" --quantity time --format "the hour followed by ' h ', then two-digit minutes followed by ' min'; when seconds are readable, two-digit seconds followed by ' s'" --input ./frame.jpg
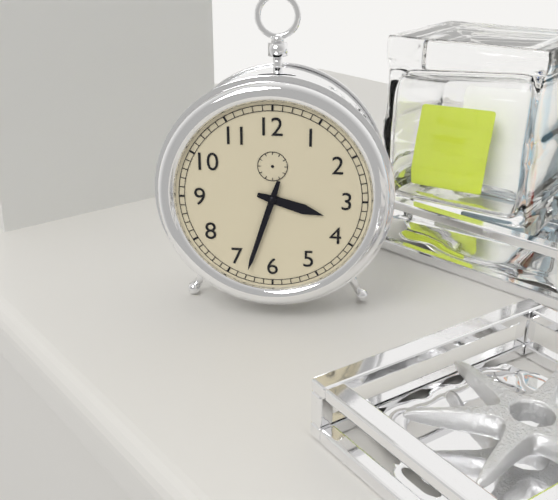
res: 3 h 33 min
